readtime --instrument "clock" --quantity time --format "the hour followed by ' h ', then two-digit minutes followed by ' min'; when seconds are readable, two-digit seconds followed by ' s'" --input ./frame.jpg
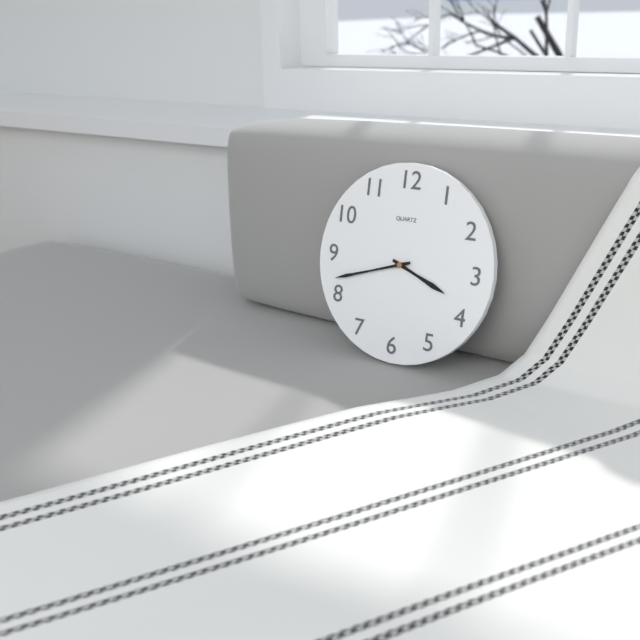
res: 3 h 42 min
